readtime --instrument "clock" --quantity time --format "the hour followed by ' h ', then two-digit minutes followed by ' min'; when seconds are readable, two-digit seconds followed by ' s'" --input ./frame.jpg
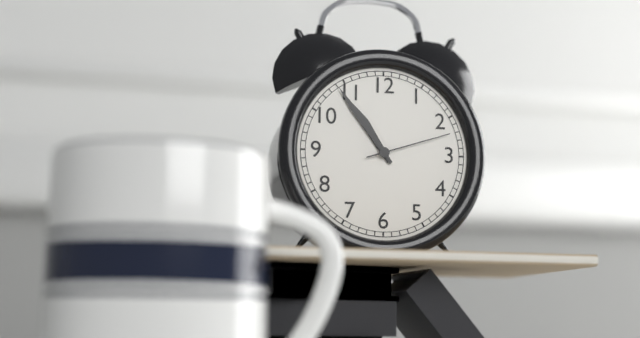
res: 10 h 54 min 12 s
